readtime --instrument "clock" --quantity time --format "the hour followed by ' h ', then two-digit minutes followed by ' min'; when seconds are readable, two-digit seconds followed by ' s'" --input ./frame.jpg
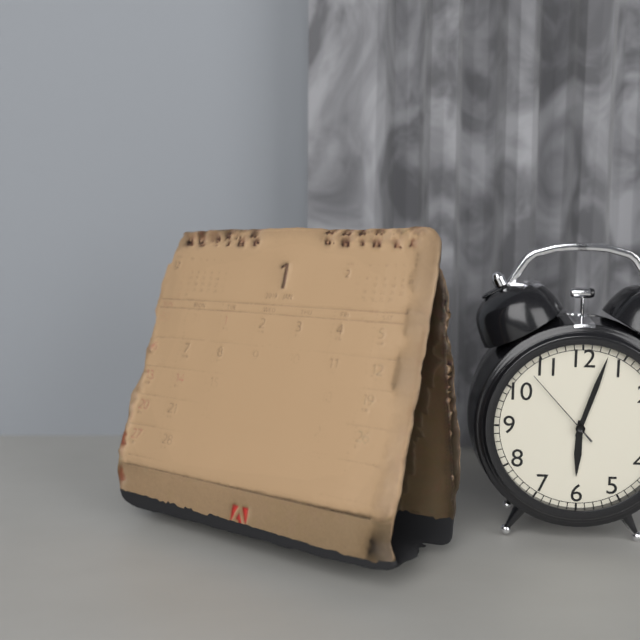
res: 6 h 03 min 53 s
